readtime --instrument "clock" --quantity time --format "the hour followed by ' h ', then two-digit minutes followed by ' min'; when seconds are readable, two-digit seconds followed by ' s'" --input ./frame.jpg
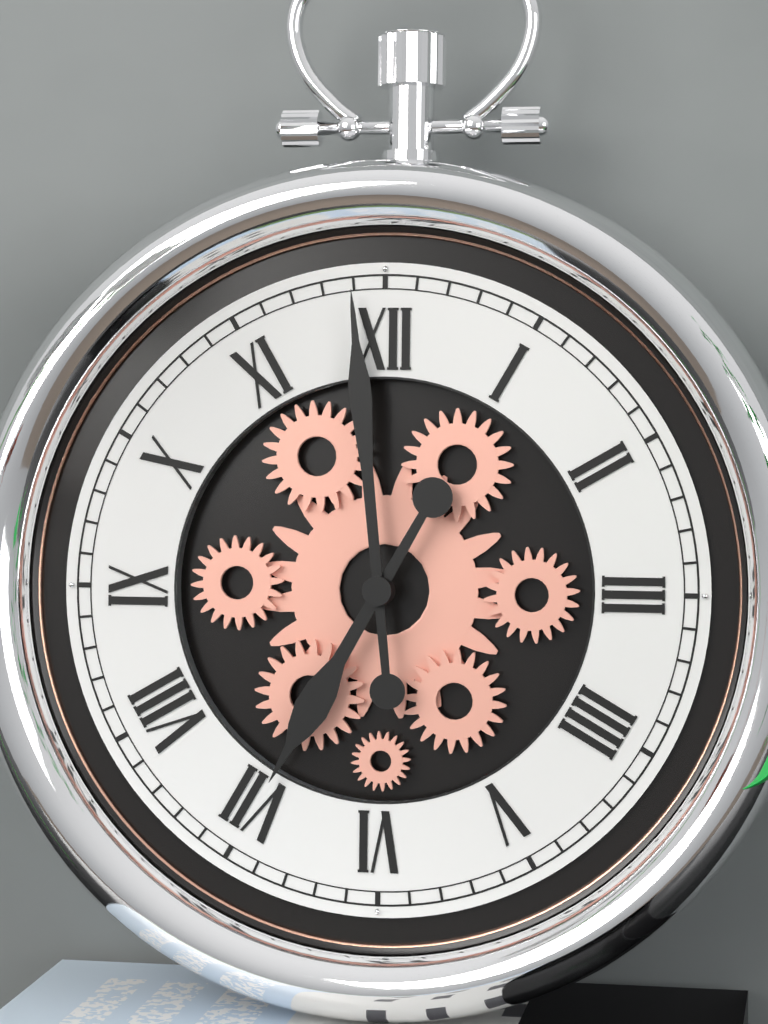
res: 6 h 59 min
